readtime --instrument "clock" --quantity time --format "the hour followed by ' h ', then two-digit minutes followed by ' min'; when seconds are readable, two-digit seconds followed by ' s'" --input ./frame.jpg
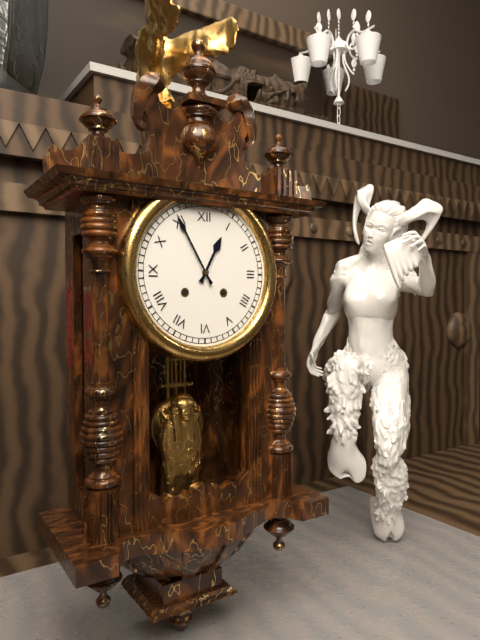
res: 12 h 55 min
